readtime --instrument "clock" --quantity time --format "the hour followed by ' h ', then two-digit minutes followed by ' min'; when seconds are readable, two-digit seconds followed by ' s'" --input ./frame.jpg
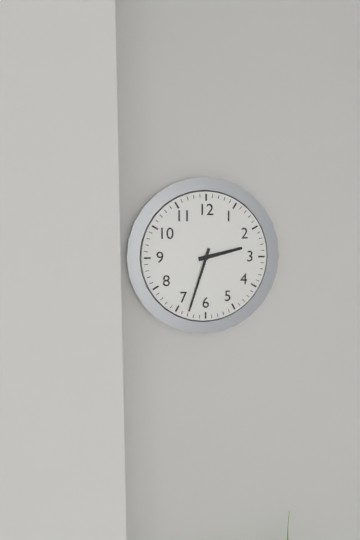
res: 2 h 33 min
